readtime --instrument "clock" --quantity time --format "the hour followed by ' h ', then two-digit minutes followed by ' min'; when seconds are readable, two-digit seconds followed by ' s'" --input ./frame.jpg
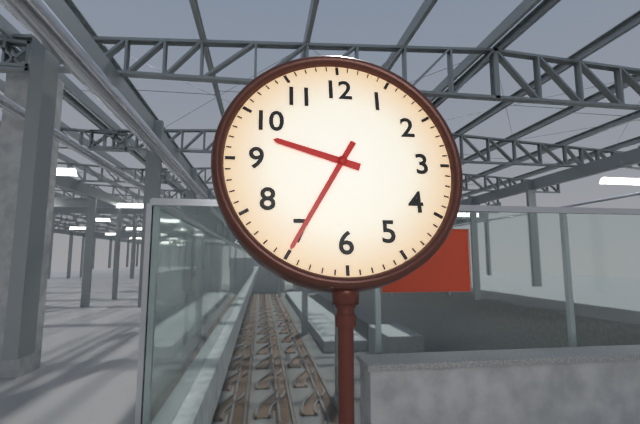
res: 9 h 35 min
